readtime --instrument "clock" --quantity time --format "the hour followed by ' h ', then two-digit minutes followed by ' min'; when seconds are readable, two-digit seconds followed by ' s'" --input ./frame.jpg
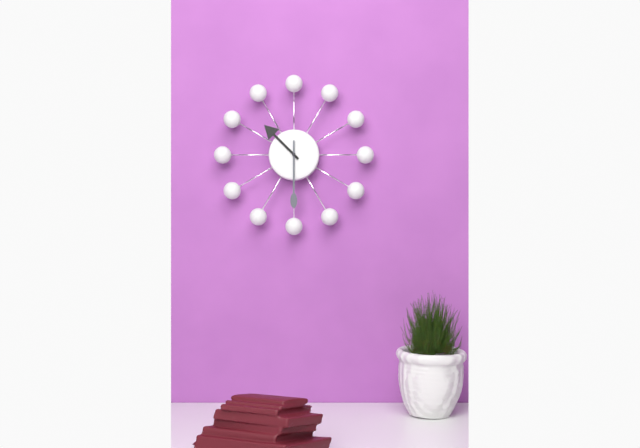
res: 10 h 30 min
